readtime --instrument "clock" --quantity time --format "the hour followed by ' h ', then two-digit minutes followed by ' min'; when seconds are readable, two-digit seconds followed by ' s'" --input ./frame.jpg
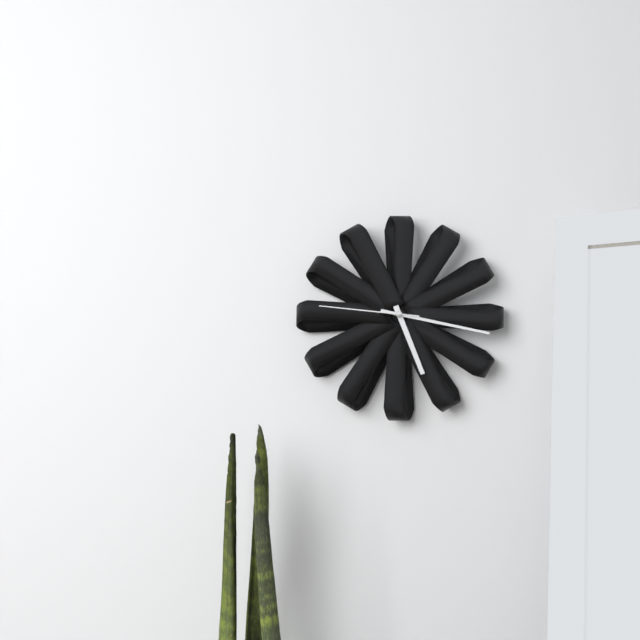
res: 5 h 17 min 46 s
